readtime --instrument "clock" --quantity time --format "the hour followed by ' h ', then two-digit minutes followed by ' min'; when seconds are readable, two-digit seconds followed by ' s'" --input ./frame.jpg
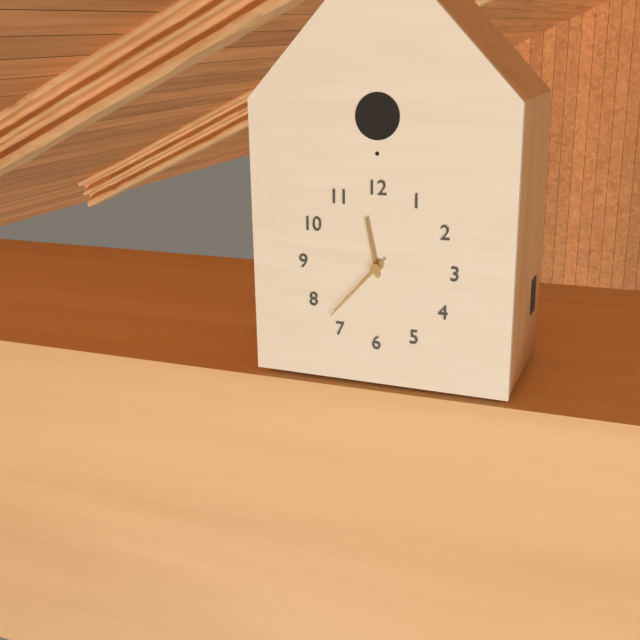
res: 11 h 37 min
